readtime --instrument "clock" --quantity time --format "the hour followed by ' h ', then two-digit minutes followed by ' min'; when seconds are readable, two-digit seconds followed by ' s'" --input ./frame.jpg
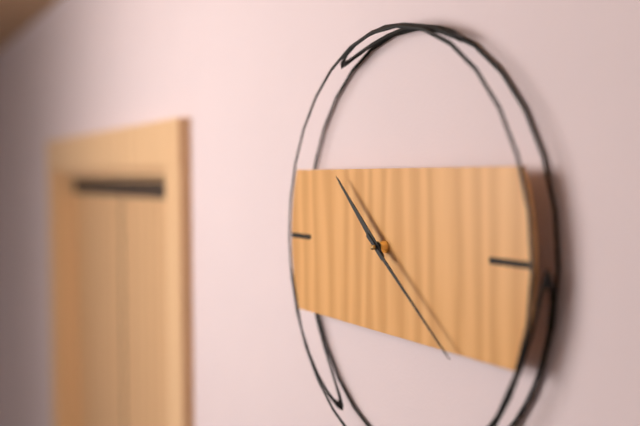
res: 10 h 21 min
